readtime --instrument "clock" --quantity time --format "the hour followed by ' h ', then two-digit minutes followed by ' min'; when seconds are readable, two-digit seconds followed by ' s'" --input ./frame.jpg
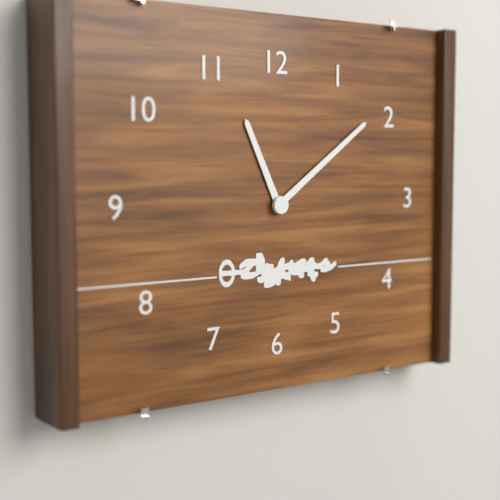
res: 11 h 09 min
